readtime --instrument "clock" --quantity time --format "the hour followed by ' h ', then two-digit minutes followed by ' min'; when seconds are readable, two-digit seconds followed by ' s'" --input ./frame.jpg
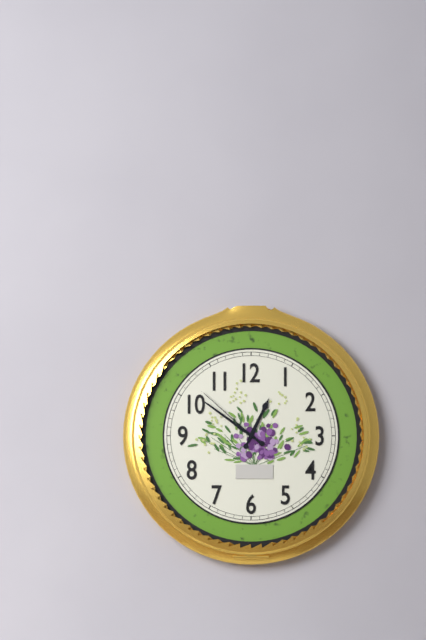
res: 12 h 51 min 52 s
